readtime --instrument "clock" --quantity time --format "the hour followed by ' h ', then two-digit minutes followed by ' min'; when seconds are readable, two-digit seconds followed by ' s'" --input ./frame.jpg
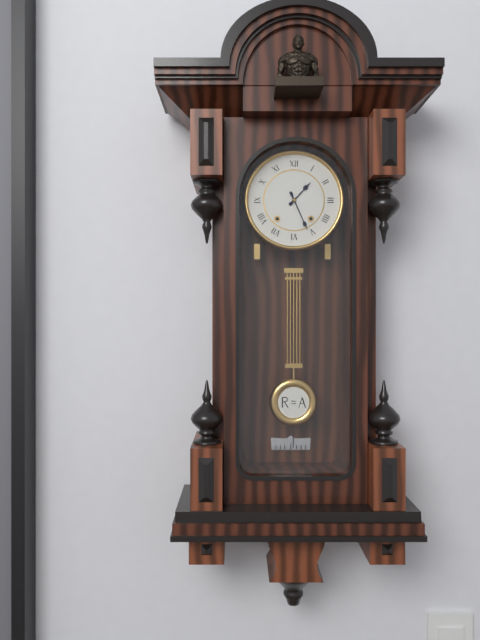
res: 1 h 26 min
